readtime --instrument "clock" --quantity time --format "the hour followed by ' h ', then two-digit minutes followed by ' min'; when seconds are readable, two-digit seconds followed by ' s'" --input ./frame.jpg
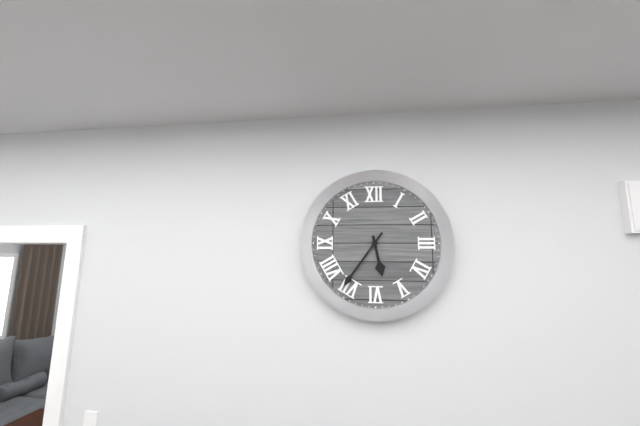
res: 5 h 36 min
